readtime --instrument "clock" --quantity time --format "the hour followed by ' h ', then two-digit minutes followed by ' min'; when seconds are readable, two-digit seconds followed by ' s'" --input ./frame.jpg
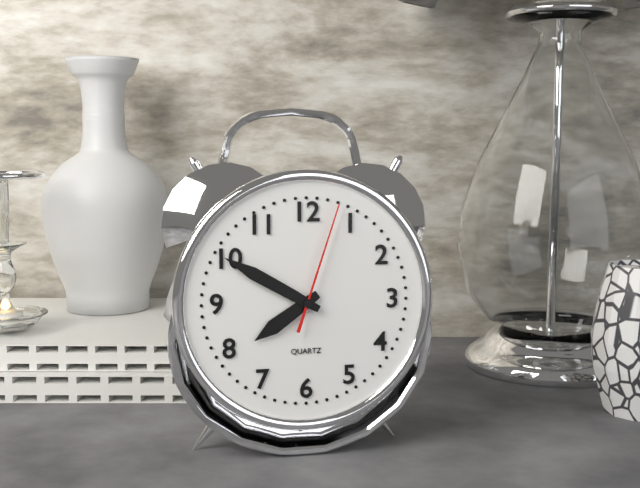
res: 7 h 50 min 03 s
